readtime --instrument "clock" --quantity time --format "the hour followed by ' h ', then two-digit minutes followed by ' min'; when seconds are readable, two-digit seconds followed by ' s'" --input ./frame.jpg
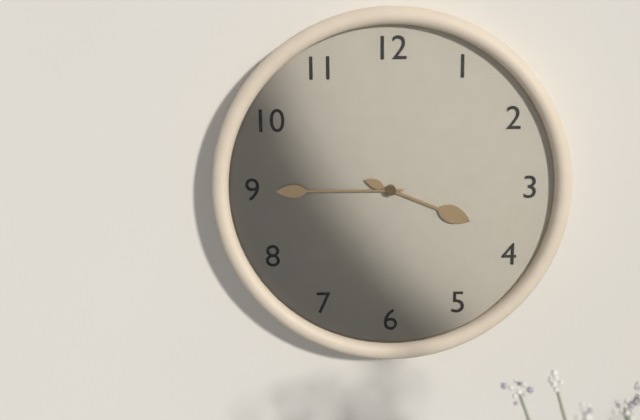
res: 3 h 45 min
